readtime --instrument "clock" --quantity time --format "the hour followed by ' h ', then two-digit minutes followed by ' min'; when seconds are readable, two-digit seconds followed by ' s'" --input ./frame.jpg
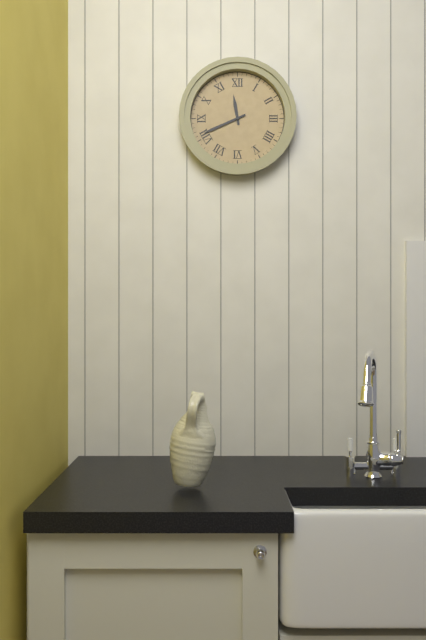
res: 11 h 41 min
